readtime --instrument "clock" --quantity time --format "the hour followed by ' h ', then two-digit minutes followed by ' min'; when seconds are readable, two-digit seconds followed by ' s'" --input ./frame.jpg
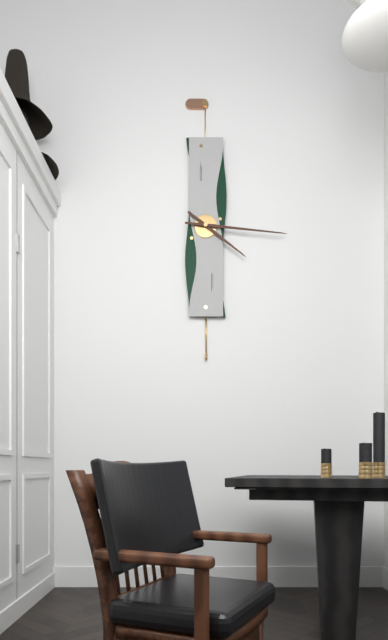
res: 4 h 16 min
